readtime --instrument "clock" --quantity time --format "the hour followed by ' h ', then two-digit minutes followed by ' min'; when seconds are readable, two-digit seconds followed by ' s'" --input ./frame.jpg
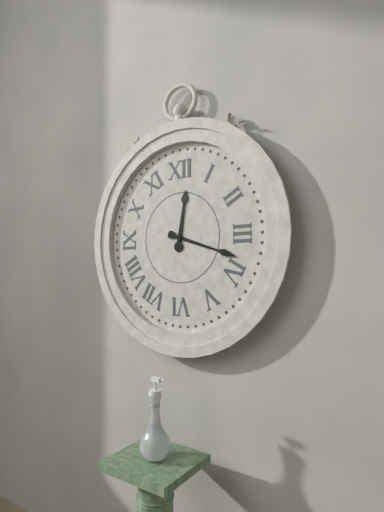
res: 12 h 18 min
